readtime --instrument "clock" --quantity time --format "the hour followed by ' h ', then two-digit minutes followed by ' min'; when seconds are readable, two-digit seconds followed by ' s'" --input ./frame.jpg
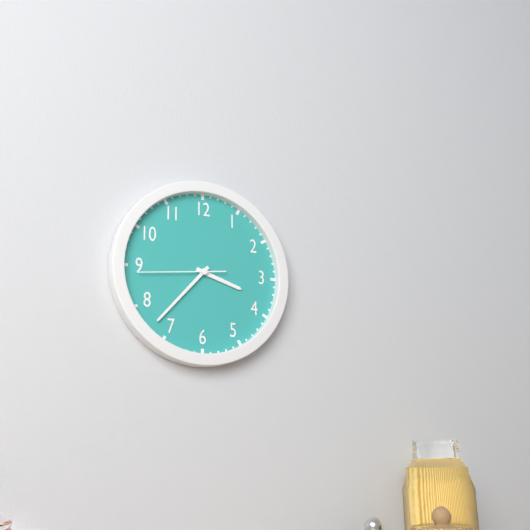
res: 3 h 37 min 44 s
